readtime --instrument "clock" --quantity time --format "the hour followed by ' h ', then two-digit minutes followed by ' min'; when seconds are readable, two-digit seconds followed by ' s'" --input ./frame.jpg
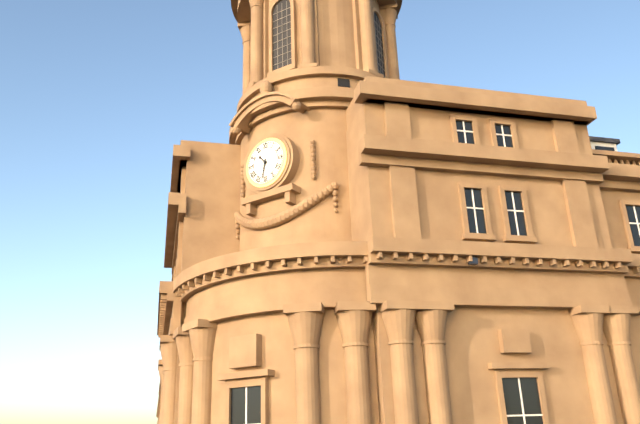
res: 10 h 32 min
